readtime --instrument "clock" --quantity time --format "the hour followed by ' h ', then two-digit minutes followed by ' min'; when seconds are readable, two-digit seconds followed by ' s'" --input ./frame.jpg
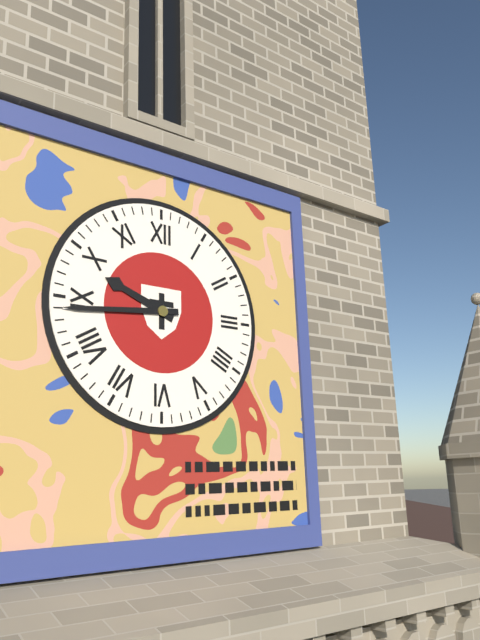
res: 9 h 44 min
